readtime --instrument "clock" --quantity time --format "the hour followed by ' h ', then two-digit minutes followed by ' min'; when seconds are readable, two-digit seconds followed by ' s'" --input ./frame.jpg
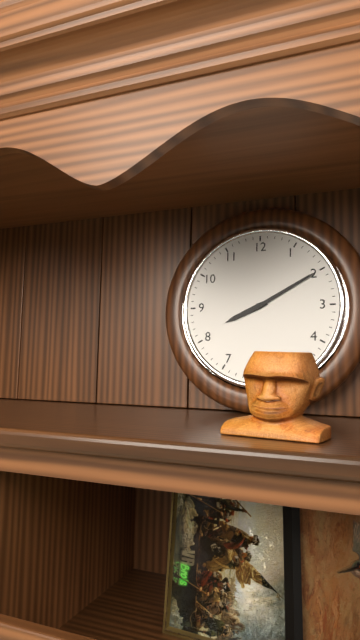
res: 8 h 10 min
